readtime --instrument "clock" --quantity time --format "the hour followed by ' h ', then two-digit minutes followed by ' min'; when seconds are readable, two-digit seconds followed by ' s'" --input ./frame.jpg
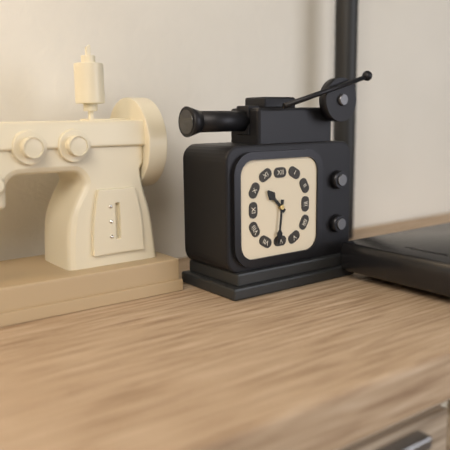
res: 10 h 31 min
